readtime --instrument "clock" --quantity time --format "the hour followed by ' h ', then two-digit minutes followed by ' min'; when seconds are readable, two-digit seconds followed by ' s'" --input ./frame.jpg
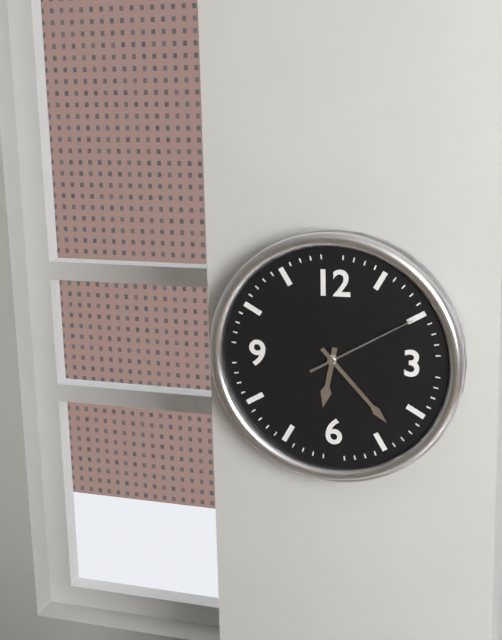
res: 6 h 23 min 10 s
